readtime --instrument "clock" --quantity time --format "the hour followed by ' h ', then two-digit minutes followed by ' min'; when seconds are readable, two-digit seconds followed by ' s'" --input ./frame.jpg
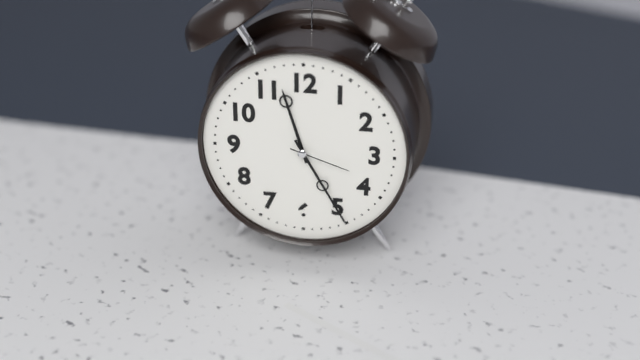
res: 11 h 25 min 18 s
